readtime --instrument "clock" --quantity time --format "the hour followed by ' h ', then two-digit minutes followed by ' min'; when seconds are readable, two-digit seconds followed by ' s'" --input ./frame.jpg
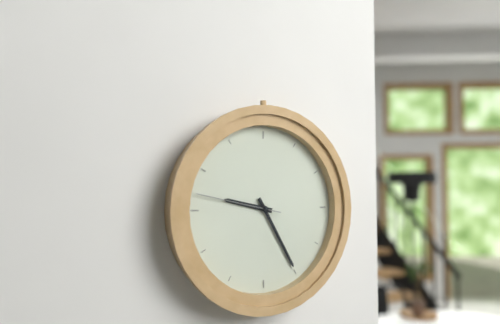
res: 9 h 25 min 47 s
